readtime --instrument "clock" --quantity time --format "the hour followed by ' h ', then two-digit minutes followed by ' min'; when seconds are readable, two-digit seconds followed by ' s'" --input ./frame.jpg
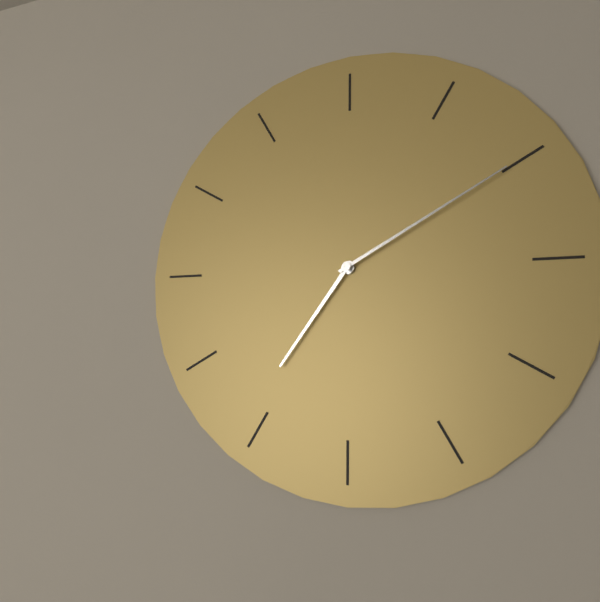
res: 7 h 10 min
